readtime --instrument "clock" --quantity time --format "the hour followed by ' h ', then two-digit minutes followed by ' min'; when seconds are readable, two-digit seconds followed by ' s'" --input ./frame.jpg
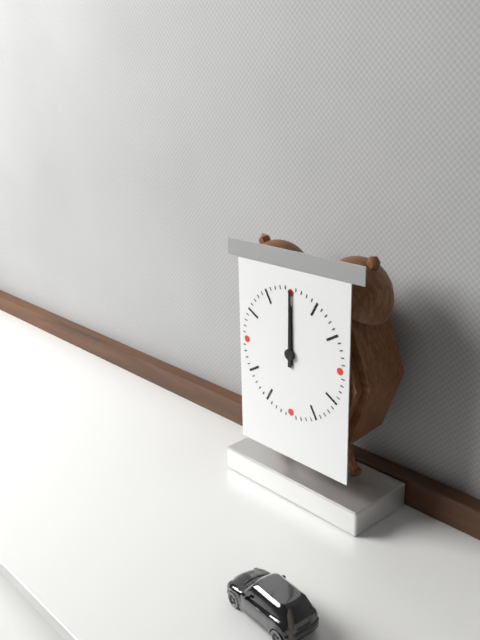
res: 12 h 00 min
